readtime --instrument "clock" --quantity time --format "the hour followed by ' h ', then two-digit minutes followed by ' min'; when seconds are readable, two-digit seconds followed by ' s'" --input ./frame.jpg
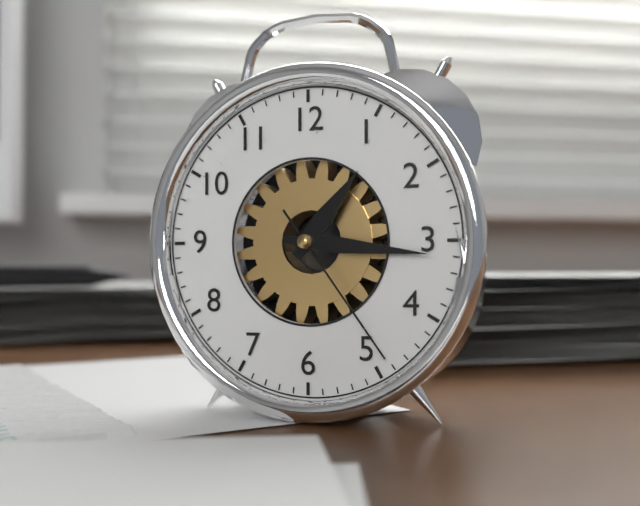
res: 1 h 16 min 24 s
